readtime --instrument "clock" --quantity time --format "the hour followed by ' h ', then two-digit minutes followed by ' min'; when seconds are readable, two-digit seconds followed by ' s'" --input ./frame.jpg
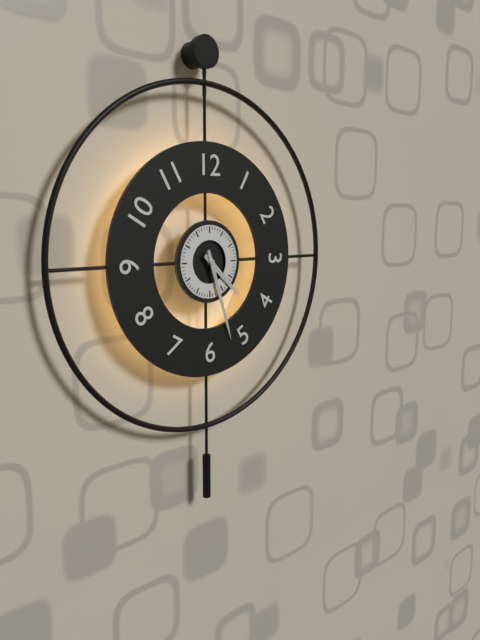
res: 4 h 27 min
